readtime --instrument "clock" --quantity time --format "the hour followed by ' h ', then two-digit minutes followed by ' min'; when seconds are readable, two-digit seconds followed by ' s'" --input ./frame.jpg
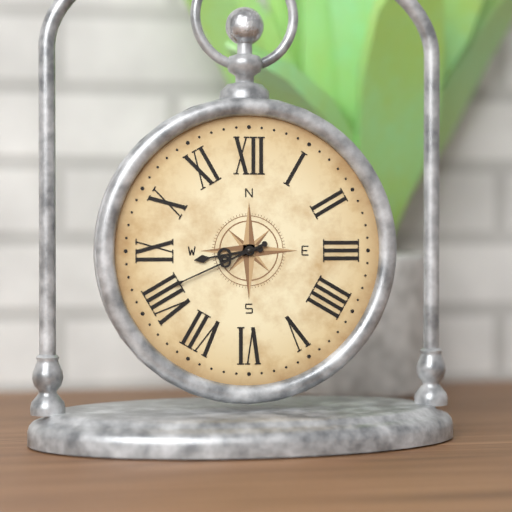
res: 8 h 41 min
